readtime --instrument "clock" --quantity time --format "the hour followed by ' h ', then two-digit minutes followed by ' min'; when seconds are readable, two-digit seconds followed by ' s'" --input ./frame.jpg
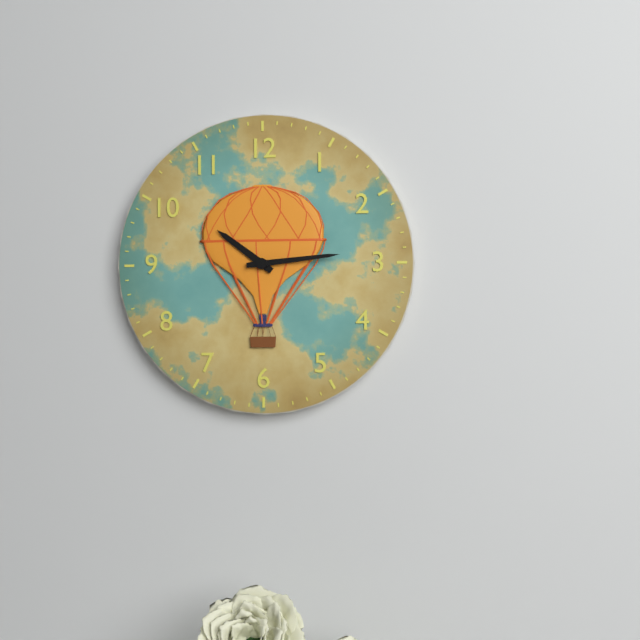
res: 10 h 14 min
